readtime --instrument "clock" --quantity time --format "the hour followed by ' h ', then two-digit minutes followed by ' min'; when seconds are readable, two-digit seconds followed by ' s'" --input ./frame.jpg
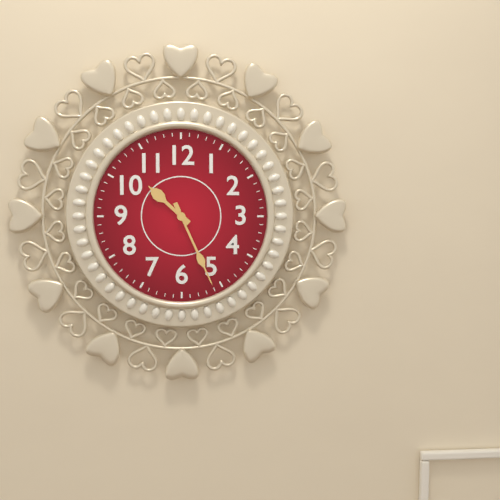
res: 10 h 26 min
